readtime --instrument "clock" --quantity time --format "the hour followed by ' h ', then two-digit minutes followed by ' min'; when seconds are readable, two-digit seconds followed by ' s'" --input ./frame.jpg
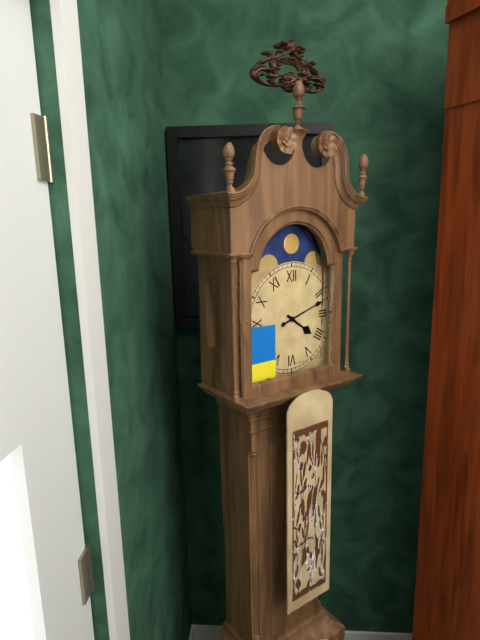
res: 4 h 12 min
